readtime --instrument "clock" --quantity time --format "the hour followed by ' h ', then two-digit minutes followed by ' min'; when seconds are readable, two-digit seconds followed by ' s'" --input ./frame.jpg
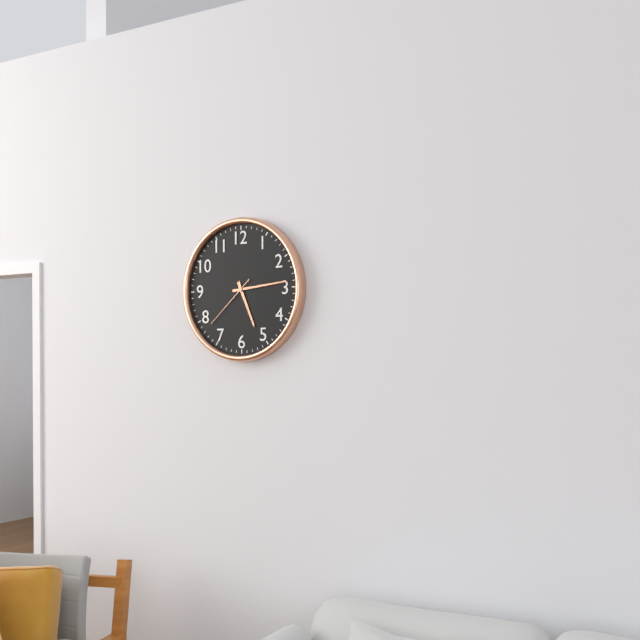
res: 5 h 14 min 38 s
